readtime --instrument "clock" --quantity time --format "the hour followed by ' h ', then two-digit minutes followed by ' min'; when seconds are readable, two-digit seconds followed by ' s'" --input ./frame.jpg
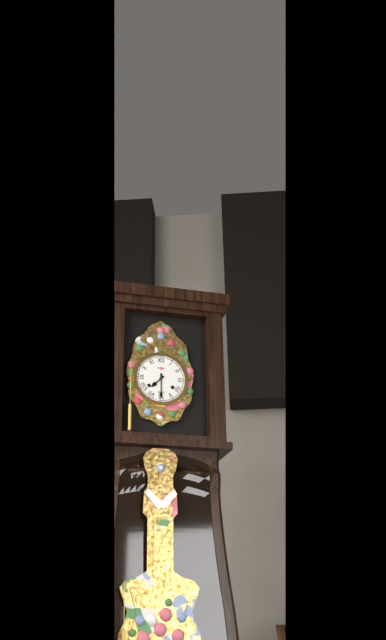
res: 7 h 30 min
